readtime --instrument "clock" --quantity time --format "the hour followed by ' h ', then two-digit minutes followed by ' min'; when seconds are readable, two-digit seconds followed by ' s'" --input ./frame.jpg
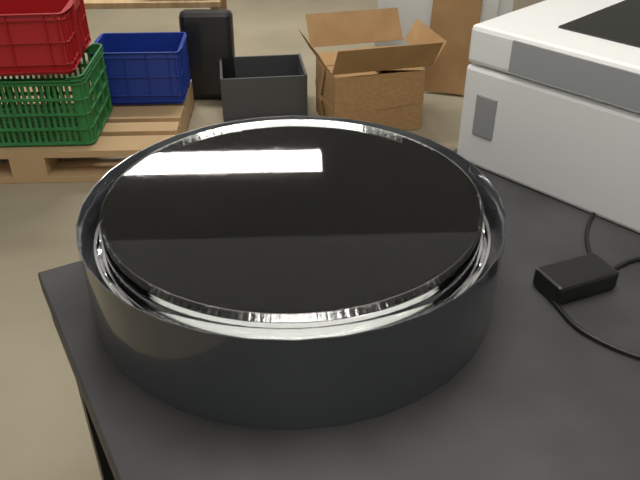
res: 11 h 33 min
